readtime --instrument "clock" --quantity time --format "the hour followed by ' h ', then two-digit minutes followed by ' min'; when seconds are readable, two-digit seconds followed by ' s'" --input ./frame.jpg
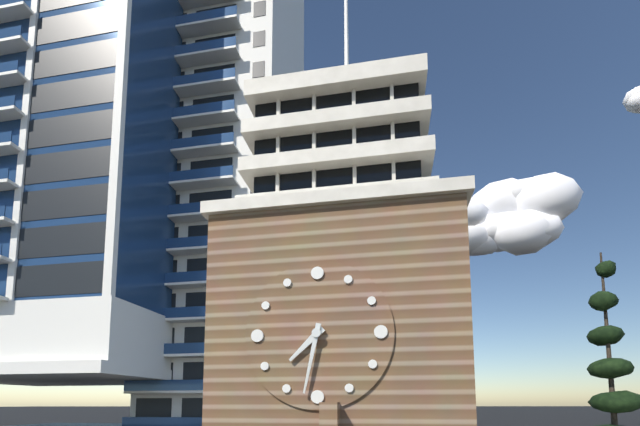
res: 7 h 32 min
